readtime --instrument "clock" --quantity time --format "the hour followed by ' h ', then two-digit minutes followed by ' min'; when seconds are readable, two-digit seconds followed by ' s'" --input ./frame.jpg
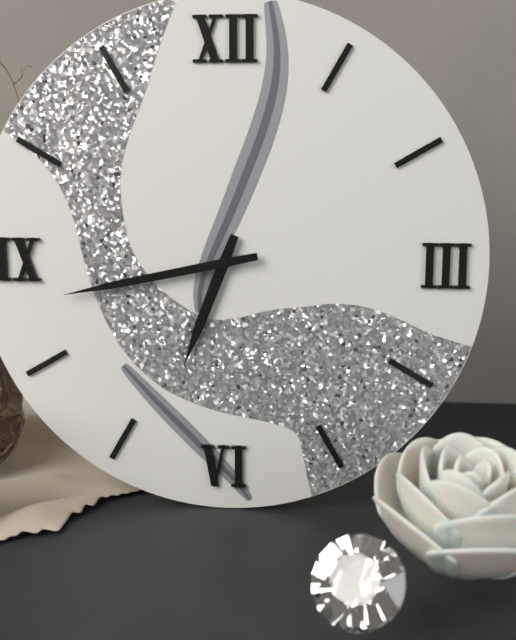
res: 6 h 43 min
